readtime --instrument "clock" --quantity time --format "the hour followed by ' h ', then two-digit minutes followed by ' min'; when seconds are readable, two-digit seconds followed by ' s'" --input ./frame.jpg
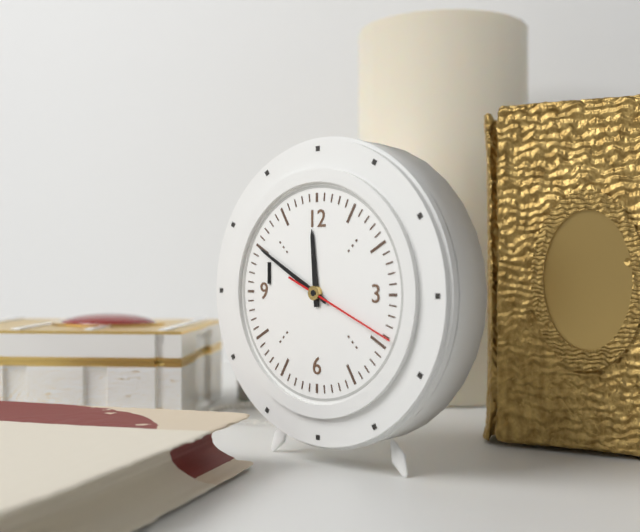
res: 11 h 50 min 19 s
